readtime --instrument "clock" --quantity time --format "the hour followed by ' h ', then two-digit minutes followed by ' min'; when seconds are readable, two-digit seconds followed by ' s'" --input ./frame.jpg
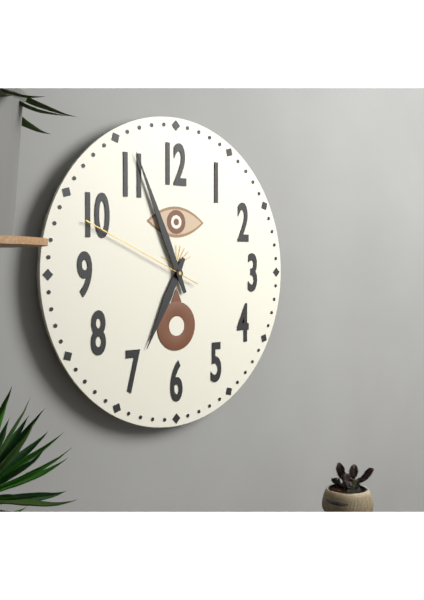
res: 6 h 56 min 49 s
